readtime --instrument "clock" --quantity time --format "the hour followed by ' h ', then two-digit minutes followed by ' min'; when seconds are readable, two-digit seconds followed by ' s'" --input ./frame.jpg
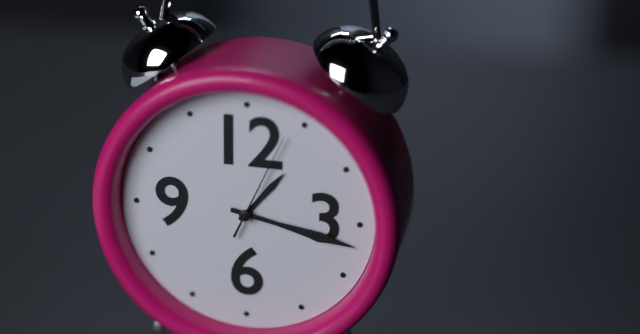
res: 1 h 17 min 04 s
